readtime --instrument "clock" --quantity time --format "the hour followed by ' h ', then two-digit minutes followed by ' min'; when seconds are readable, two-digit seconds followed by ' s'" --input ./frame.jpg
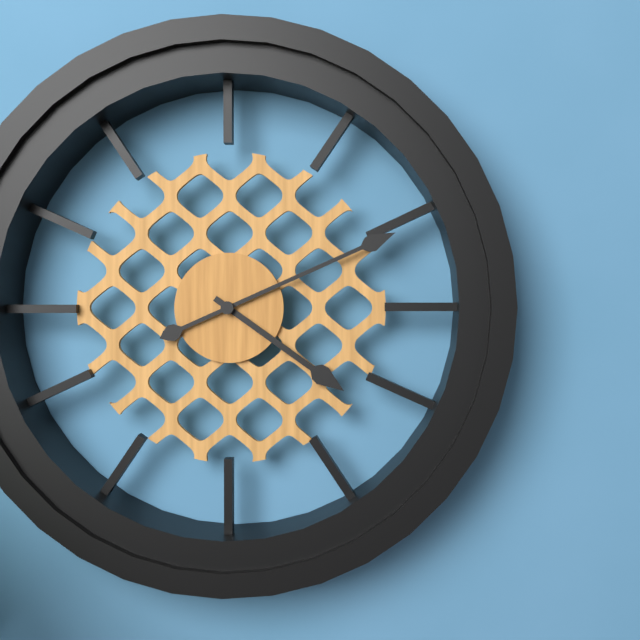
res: 4 h 11 min
